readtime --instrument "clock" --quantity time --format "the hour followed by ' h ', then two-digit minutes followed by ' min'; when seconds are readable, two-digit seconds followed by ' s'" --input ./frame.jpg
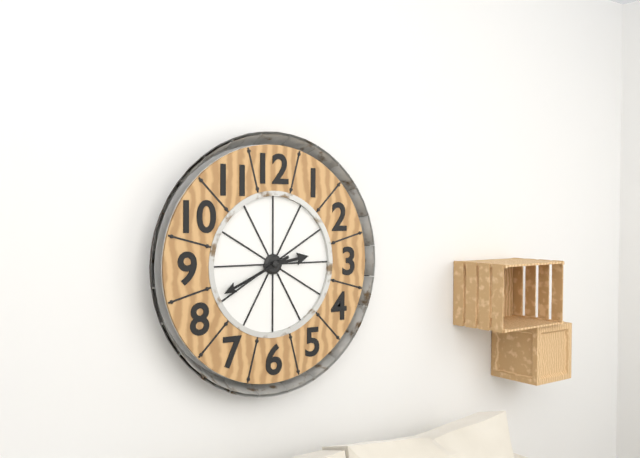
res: 2 h 41 min
